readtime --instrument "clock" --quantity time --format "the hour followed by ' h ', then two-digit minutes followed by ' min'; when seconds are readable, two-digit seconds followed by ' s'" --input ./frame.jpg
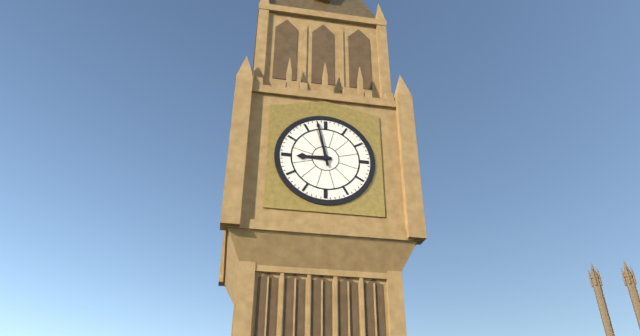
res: 8 h 58 min
